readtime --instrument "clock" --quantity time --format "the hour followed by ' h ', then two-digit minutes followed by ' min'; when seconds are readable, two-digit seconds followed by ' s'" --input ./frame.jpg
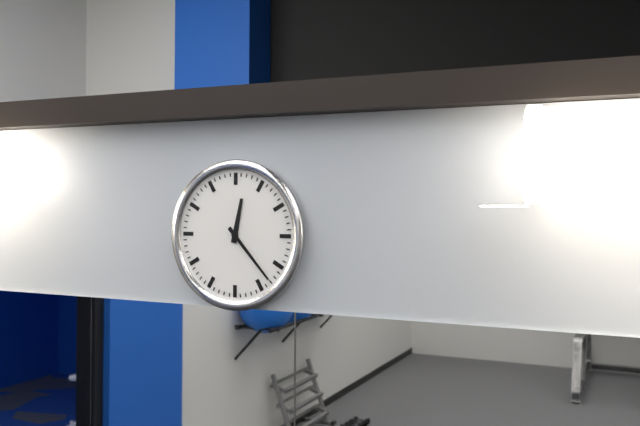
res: 12 h 23 min
